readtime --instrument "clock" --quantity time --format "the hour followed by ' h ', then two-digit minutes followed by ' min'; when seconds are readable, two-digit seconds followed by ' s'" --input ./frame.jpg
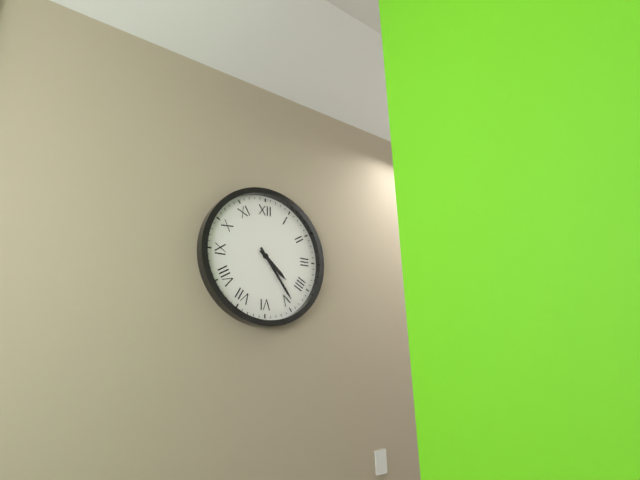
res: 4 h 24 min
